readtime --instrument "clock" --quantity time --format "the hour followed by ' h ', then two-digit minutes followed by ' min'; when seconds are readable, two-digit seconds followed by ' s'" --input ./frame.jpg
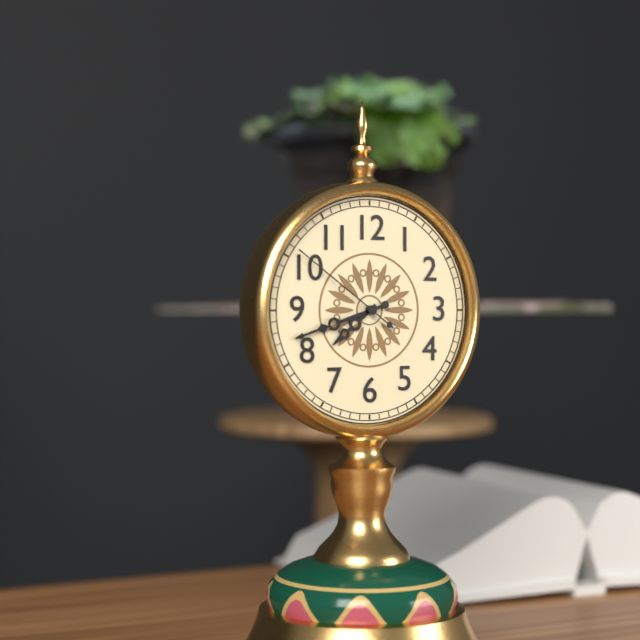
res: 7 h 42 min 51 s
